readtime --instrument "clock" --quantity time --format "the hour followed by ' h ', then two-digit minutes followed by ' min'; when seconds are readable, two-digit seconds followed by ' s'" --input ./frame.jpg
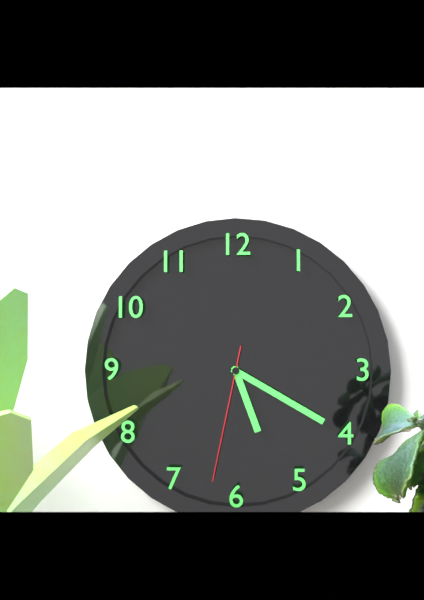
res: 5 h 20 min 32 s
